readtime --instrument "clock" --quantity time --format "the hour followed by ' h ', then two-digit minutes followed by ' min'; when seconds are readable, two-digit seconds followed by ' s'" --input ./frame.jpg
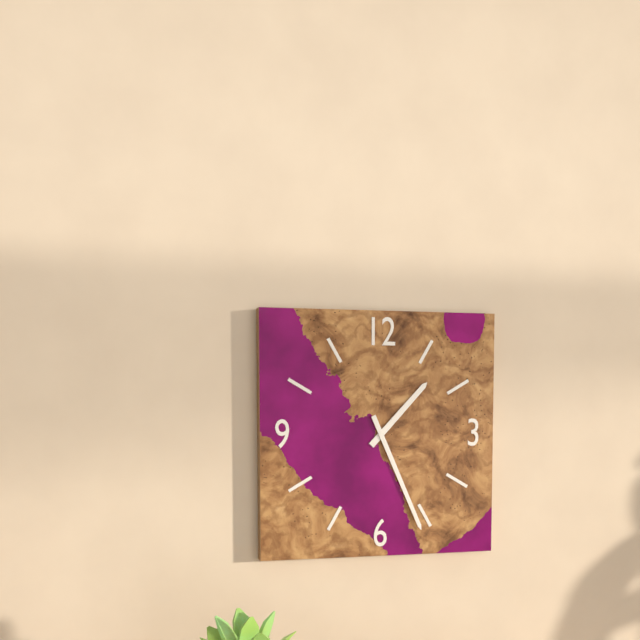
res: 1 h 26 min
